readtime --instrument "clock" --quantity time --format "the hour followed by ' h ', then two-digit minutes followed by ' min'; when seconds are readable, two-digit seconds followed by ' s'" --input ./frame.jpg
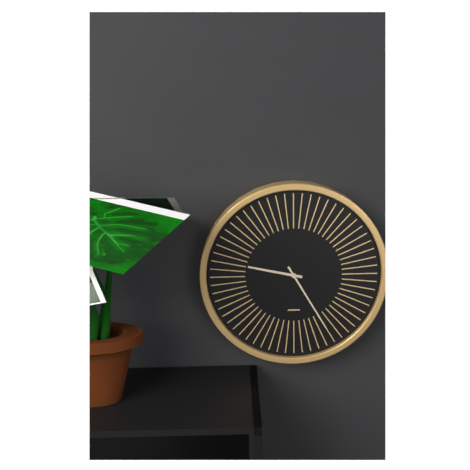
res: 9 h 25 min
